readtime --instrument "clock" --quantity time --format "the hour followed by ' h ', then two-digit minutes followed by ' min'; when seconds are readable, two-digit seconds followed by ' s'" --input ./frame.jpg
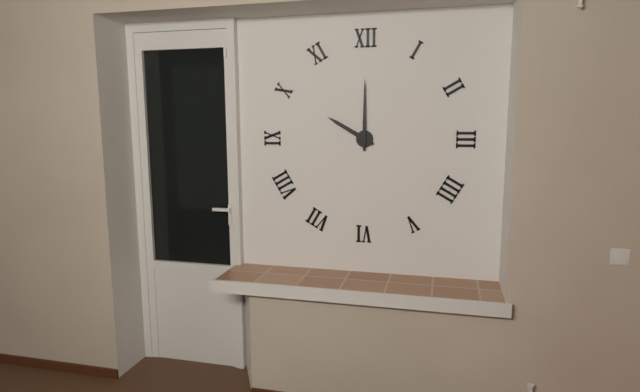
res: 10 h 00 min
